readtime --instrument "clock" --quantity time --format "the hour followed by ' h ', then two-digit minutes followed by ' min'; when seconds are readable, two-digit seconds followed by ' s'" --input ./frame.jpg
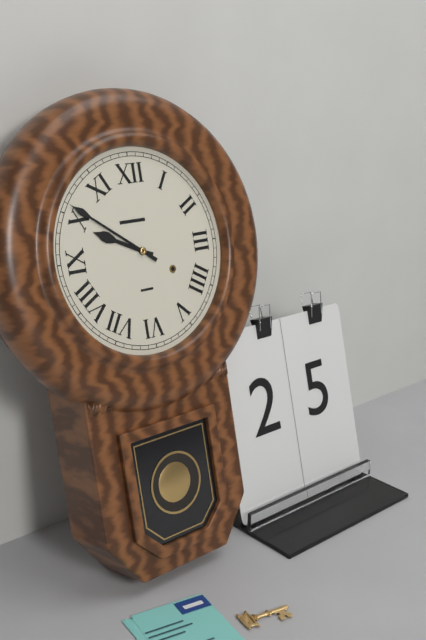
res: 9 h 51 min
